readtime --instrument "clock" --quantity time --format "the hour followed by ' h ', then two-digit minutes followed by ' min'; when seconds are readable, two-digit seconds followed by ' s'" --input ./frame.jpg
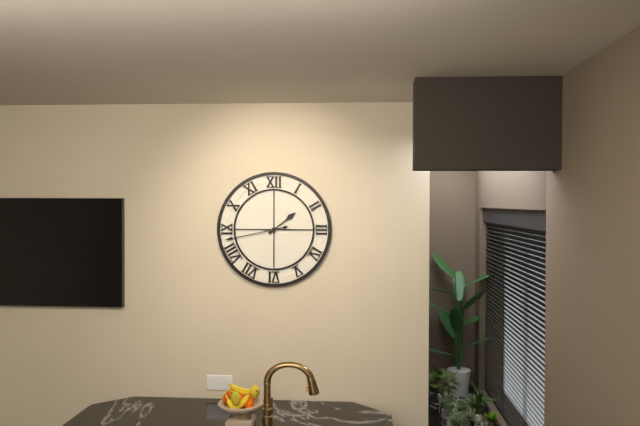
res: 1 h 43 min
